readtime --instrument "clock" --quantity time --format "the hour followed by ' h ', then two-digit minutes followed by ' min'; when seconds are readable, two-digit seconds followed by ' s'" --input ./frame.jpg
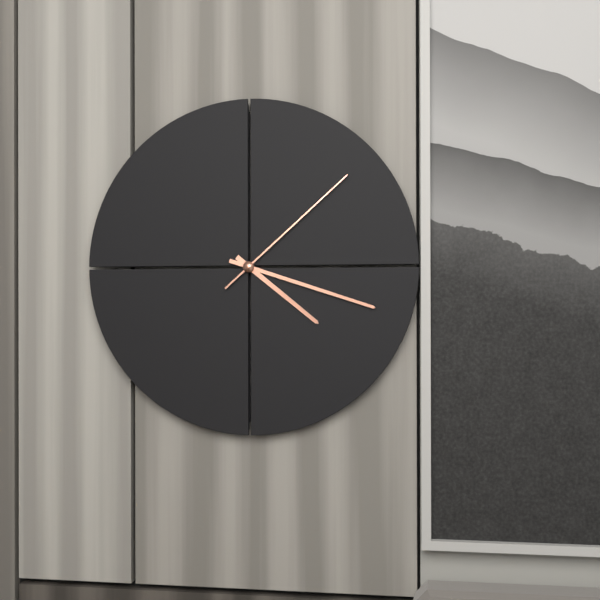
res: 4 h 18 min 08 s
